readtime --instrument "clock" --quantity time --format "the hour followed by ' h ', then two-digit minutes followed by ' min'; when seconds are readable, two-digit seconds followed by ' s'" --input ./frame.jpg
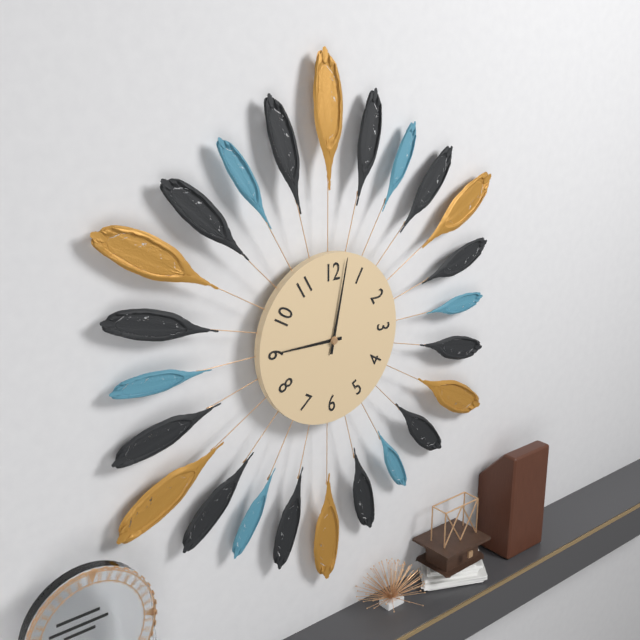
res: 9 h 02 min
